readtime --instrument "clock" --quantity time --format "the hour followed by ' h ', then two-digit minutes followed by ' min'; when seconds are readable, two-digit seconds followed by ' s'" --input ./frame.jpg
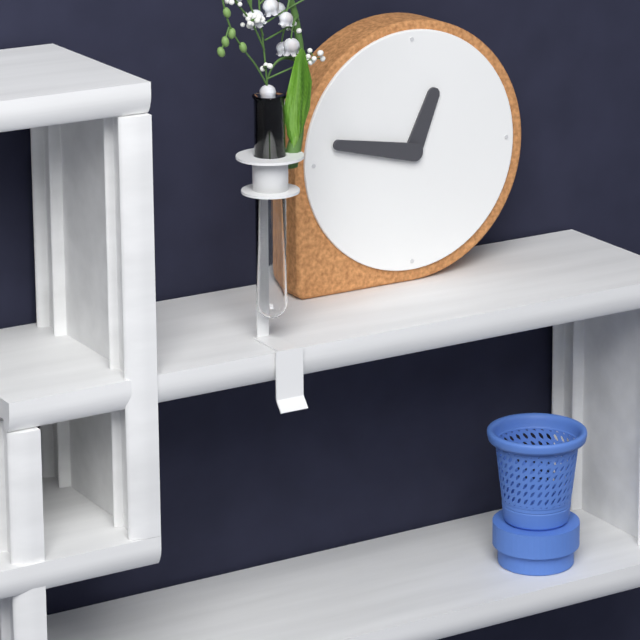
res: 12 h 47 min
